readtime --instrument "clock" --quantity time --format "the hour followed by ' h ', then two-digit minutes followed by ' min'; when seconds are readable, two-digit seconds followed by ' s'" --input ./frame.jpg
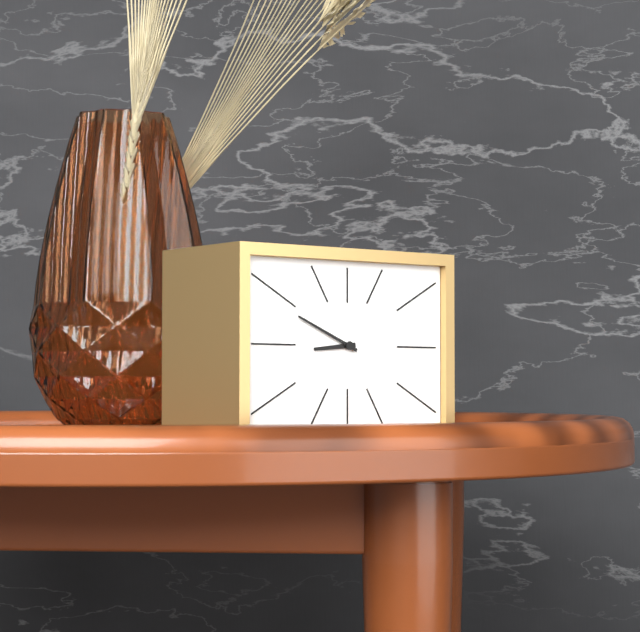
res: 8 h 49 min
